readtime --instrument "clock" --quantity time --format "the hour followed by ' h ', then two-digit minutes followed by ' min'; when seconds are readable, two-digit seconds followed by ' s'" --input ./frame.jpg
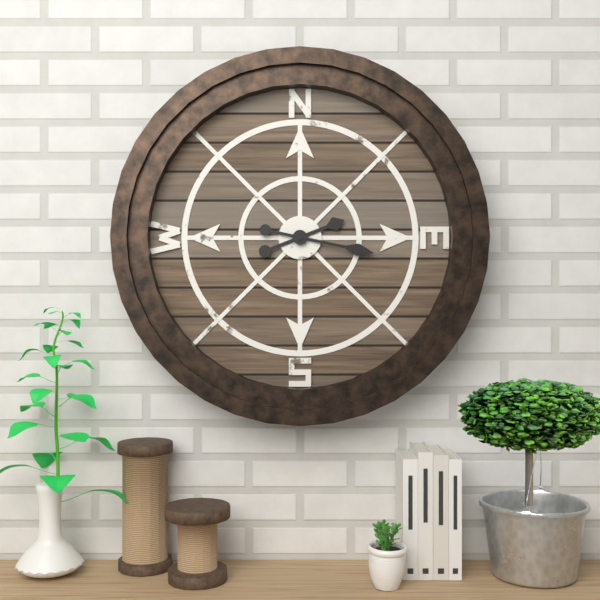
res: 2 h 17 min
